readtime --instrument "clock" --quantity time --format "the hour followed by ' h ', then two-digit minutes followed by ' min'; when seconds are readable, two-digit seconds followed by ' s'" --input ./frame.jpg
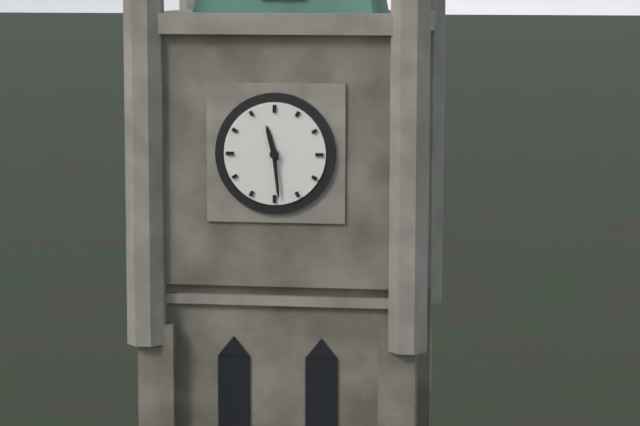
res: 11 h 29 min
